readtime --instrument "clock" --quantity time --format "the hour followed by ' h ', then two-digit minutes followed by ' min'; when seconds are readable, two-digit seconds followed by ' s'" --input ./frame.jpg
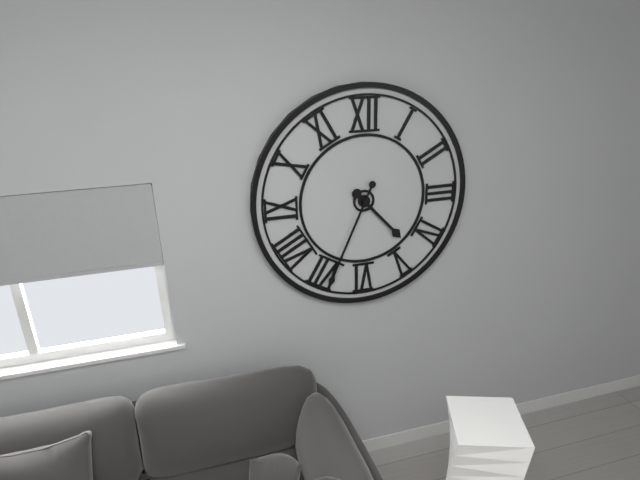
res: 4 h 34 min
